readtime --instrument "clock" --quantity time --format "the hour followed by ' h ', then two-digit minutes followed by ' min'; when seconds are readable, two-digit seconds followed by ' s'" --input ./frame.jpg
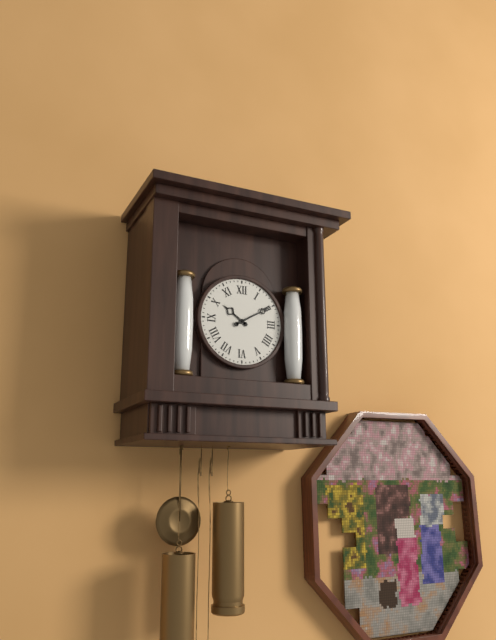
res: 10 h 10 min
